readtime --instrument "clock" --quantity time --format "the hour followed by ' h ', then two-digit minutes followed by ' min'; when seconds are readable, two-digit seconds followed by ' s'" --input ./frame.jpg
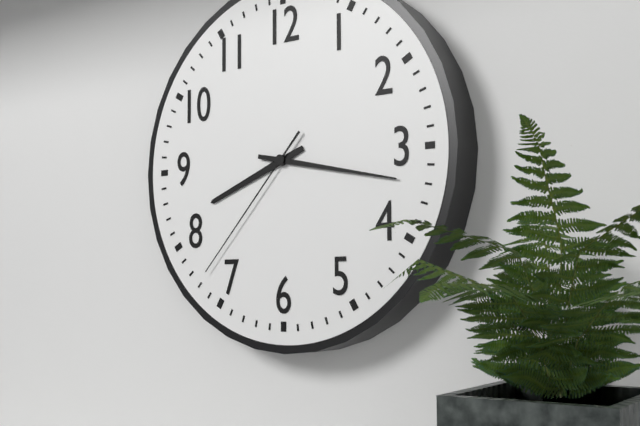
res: 8 h 17 min 37 s
